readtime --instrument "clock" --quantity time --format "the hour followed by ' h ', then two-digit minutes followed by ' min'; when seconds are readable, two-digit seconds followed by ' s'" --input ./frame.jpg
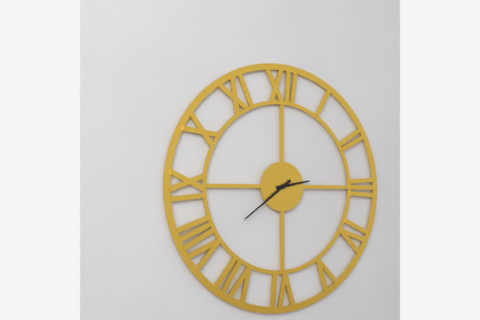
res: 2 h 39 min
